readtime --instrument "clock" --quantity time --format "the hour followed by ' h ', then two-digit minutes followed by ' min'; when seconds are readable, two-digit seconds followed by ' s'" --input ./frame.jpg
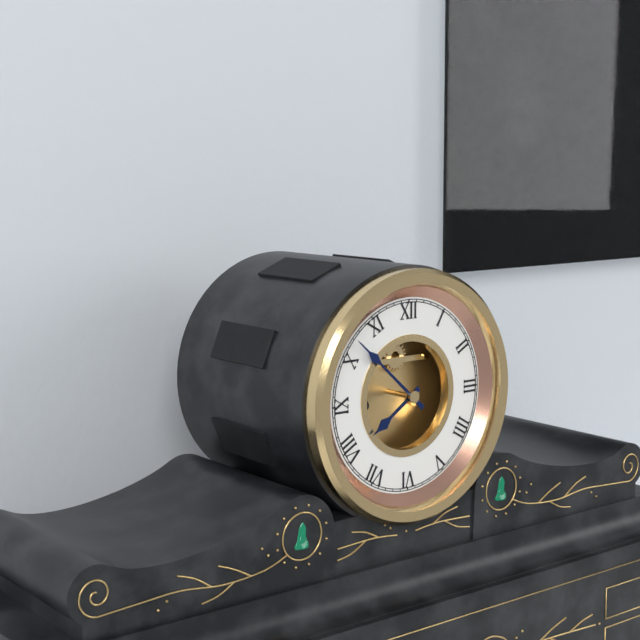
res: 7 h 52 min
